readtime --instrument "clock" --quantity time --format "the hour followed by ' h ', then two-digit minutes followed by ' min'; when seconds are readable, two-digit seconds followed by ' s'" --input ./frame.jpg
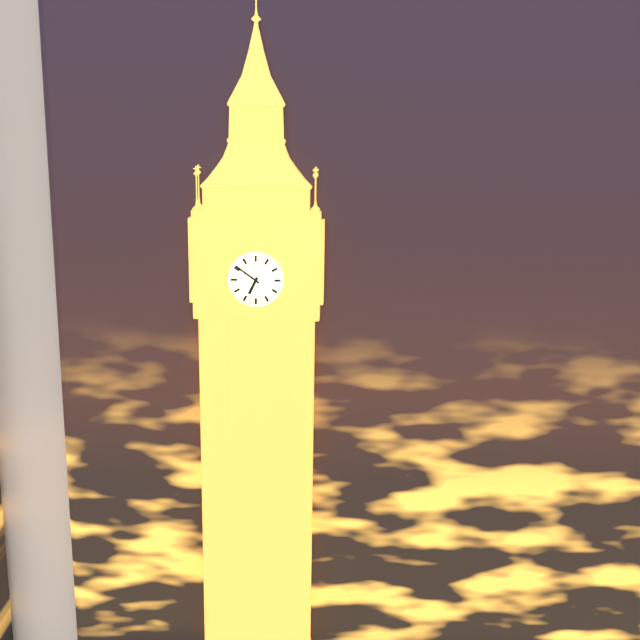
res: 6 h 51 min
